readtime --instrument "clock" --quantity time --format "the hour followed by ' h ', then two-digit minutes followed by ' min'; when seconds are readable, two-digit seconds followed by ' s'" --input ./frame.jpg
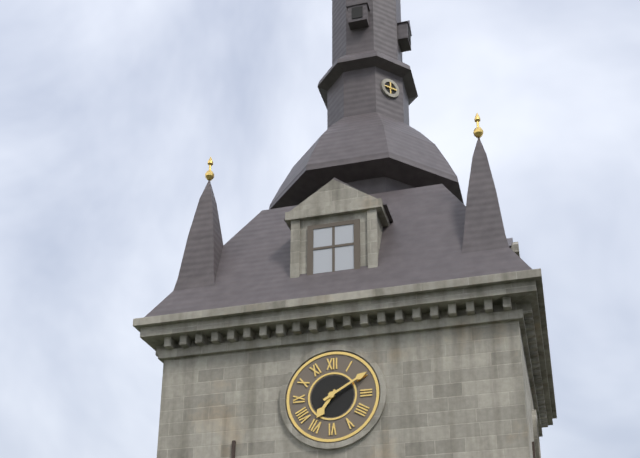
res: 7 h 10 min
